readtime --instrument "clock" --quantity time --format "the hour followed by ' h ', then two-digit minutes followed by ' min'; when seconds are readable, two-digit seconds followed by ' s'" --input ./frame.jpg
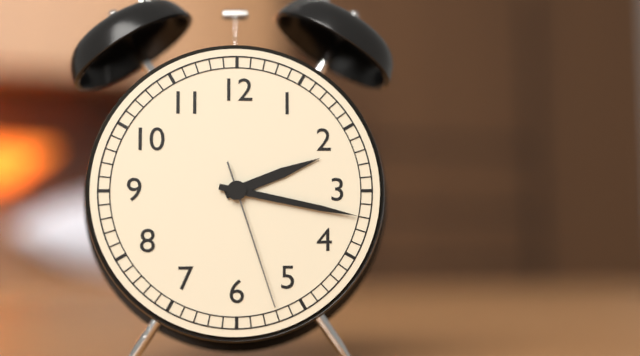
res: 2 h 17 min 27 s
